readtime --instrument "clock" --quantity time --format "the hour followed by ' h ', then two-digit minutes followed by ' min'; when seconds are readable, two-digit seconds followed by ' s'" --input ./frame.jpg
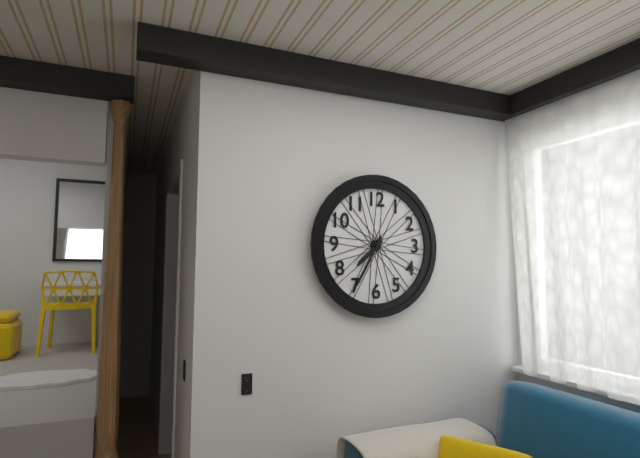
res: 7 h 35 min
